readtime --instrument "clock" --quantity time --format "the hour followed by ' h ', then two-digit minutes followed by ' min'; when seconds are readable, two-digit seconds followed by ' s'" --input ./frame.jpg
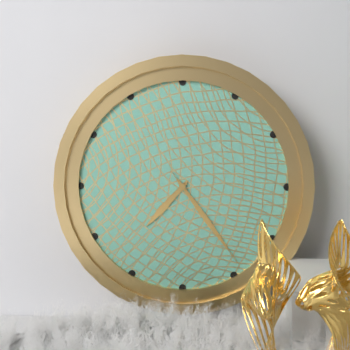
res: 7 h 24 min 24 s
